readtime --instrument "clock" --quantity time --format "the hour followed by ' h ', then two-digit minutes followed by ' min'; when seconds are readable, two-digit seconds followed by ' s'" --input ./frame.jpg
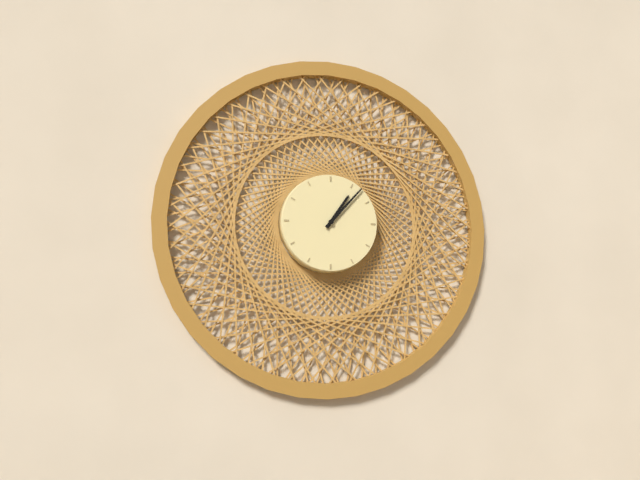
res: 1 h 07 min
